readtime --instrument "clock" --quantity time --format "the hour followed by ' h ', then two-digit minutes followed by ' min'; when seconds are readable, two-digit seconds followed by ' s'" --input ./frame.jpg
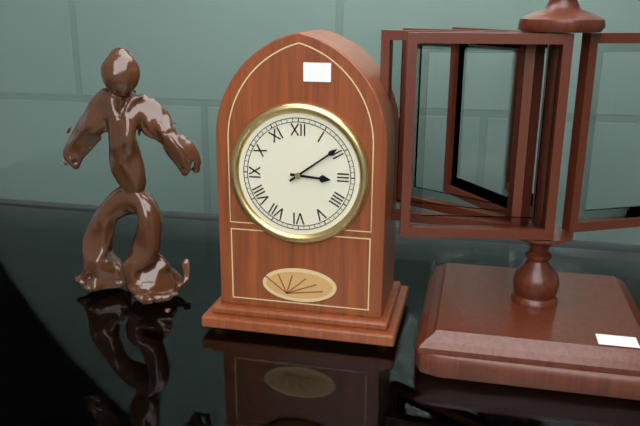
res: 3 h 09 min
